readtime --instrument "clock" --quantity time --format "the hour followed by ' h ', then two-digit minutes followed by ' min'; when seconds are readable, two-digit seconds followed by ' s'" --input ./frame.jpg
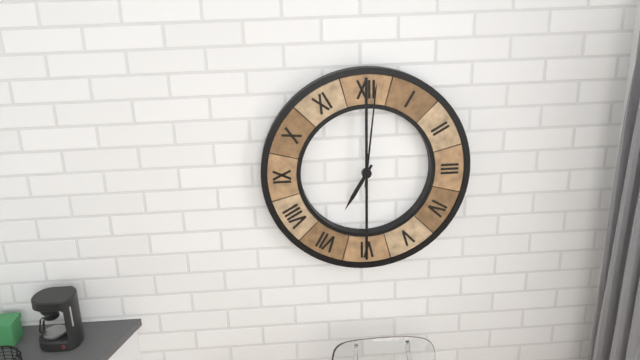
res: 7 h 01 min
